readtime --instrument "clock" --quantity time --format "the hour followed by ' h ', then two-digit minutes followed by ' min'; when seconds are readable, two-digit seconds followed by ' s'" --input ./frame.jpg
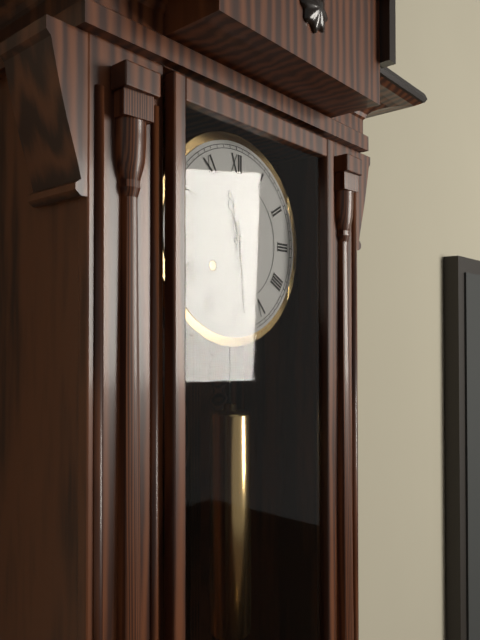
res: 11 h 29 min
